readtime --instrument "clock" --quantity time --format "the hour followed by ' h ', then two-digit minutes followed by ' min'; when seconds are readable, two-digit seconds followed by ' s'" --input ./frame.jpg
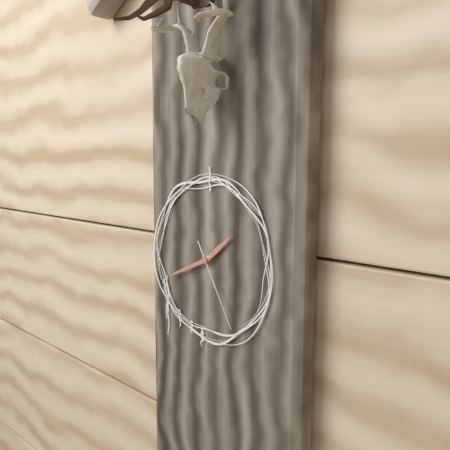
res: 1 h 41 min 25 s
